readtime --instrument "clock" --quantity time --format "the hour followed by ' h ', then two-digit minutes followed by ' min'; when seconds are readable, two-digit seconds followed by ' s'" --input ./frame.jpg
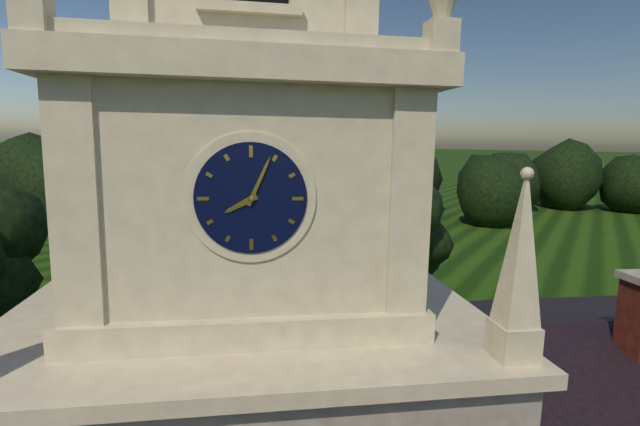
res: 8 h 04 min
